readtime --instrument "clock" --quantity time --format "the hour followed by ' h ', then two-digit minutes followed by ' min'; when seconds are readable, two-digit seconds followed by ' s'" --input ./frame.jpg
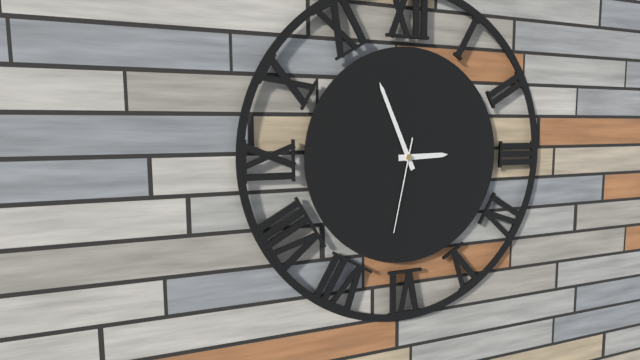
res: 2 h 56 min 32 s
